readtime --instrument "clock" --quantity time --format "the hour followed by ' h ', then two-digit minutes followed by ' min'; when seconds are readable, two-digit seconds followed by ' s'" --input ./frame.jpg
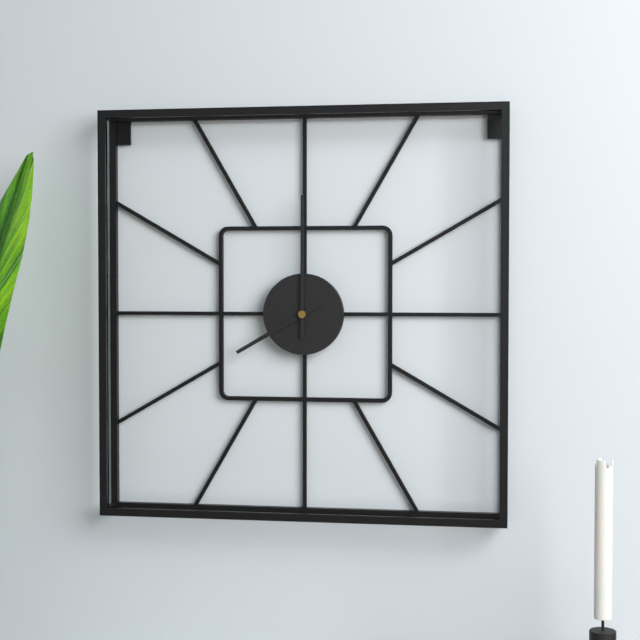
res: 8 h 00 min
